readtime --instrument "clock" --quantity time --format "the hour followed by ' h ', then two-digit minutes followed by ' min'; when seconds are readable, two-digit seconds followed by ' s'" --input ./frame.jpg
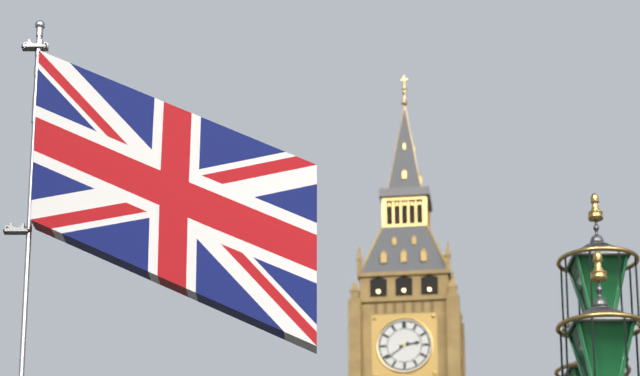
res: 2 h 39 min
